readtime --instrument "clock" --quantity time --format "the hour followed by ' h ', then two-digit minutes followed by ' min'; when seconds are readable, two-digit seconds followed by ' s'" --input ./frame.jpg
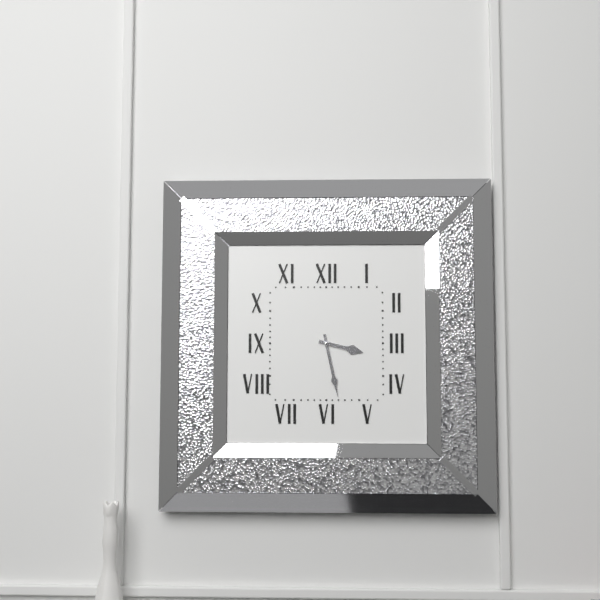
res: 3 h 28 min
